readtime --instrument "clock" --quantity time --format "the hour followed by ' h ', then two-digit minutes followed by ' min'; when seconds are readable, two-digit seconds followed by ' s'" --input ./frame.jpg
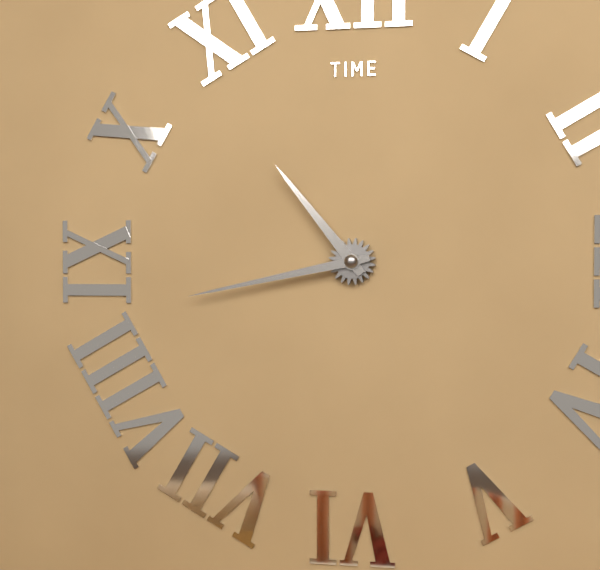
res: 10 h 43 min
